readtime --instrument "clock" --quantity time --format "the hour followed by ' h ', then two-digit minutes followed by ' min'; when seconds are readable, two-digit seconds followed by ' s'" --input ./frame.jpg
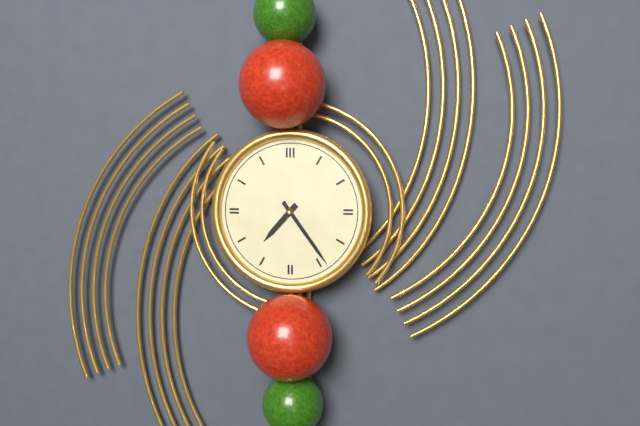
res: 7 h 24 min
